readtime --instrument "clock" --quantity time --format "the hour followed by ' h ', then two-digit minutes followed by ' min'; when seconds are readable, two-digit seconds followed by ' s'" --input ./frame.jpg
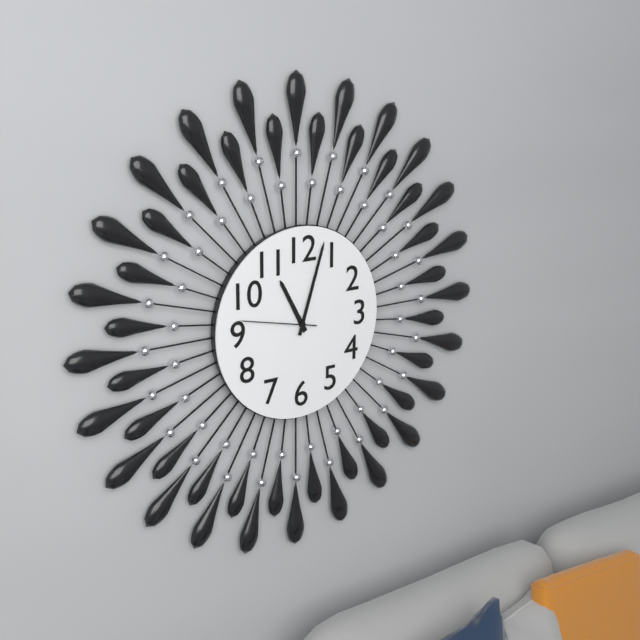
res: 11 h 03 min 47 s
